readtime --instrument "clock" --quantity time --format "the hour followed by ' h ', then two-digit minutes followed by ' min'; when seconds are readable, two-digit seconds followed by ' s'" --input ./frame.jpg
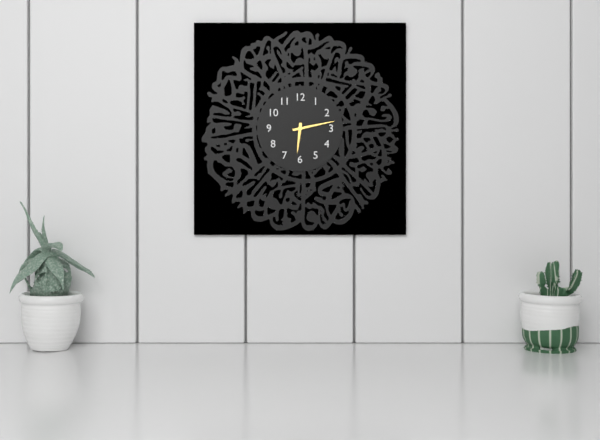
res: 6 h 13 min
